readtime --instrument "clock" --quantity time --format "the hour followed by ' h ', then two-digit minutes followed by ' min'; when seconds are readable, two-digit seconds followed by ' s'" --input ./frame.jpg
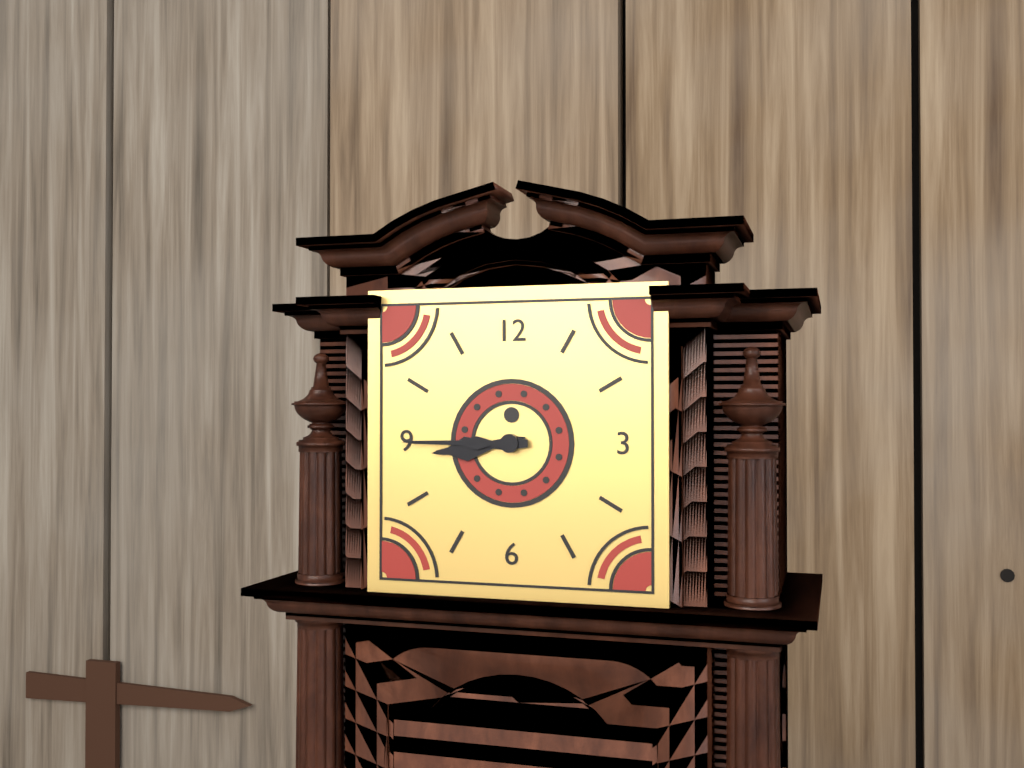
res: 8 h 45 min
